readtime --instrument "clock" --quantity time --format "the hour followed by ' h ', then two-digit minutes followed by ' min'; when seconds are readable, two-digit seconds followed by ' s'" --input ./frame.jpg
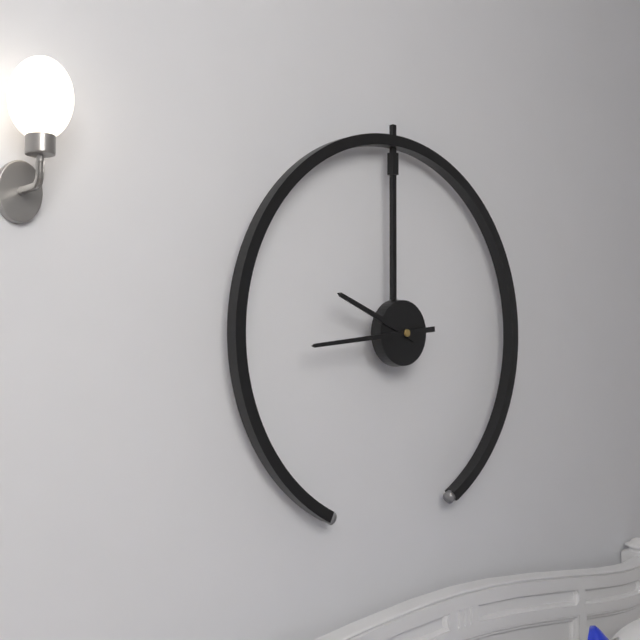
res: 9 h 44 min
